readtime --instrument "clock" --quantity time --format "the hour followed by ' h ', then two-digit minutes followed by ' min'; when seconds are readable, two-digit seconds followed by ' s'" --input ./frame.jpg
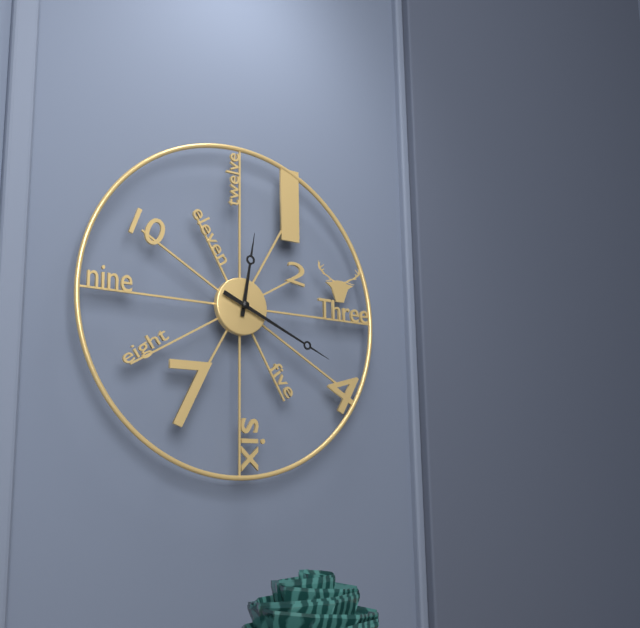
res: 12 h 19 min
